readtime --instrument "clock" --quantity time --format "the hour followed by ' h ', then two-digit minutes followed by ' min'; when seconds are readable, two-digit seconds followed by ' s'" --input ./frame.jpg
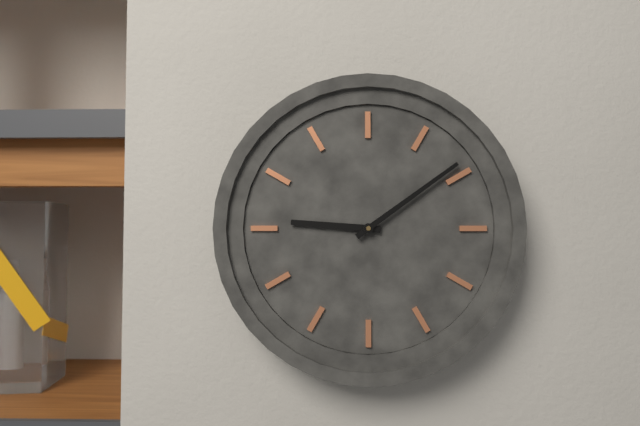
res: 9 h 09 min
